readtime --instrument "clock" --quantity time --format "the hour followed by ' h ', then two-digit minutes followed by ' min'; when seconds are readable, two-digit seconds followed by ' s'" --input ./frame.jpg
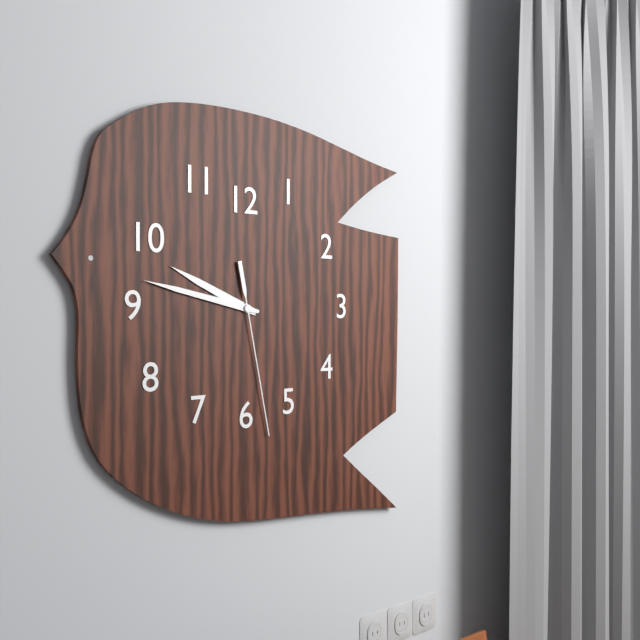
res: 9 h 47 min 28 s
